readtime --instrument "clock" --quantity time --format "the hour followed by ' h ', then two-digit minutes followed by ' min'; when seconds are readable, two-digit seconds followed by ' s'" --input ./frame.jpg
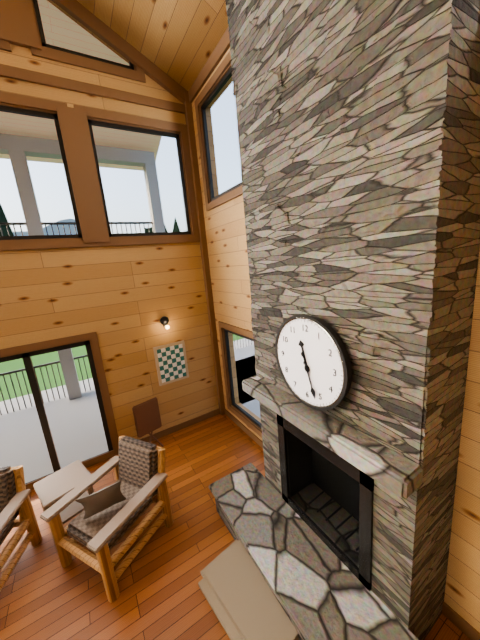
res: 11 h 27 min
